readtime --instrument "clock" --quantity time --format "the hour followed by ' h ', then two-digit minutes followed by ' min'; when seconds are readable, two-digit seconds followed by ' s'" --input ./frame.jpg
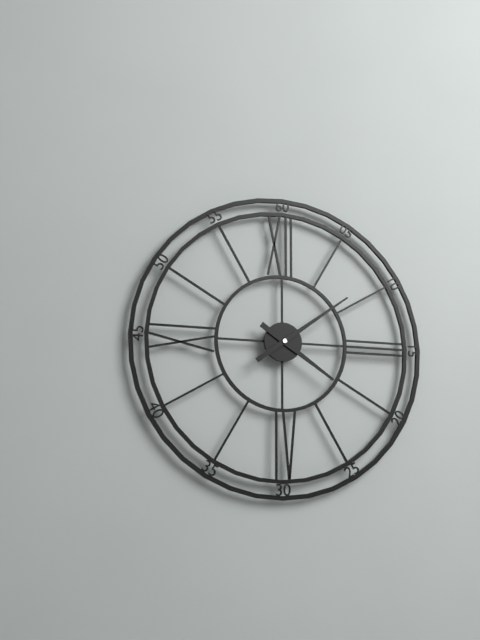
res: 4 h 09 min
